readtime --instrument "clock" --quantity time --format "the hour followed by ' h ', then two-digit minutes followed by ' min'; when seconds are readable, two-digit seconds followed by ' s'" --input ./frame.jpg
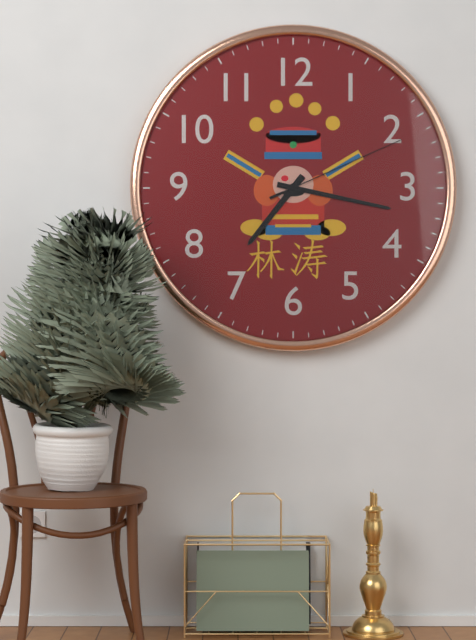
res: 7 h 17 min 11 s
